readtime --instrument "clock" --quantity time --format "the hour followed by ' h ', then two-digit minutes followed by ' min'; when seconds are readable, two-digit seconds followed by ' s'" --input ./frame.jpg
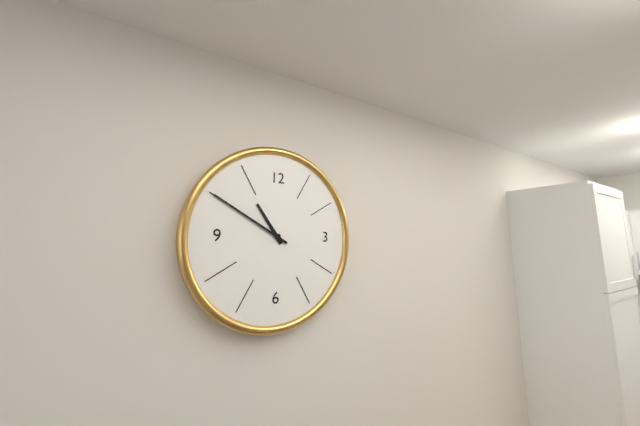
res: 10 h 50 min
